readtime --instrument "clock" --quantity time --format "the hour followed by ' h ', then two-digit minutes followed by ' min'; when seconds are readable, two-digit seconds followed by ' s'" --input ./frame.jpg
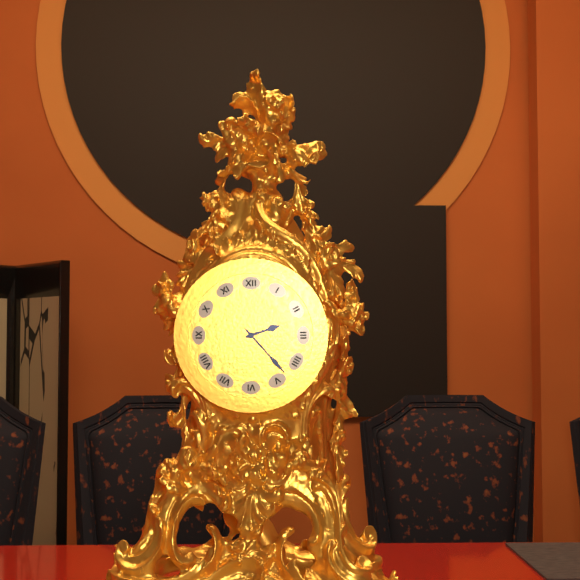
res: 2 h 23 min
